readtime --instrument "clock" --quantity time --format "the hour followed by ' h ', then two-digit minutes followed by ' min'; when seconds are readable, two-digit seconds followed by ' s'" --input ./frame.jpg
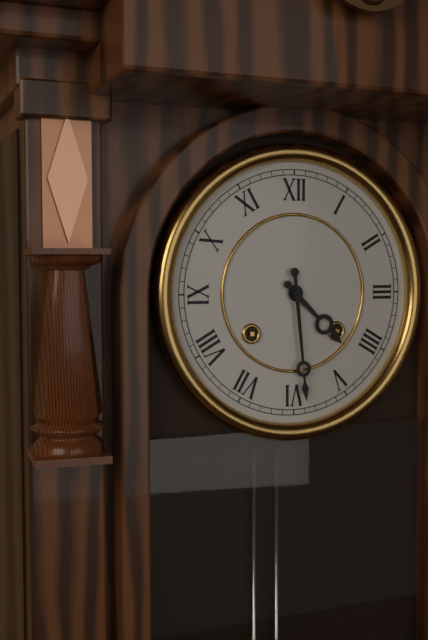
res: 4 h 29 min
